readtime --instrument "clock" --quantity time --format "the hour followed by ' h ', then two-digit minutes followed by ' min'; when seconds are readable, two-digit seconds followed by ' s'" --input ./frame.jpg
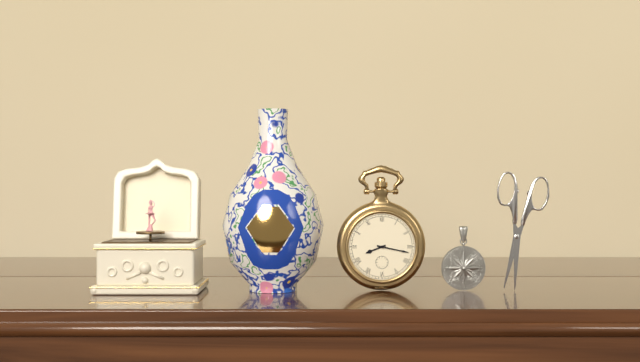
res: 8 h 17 min
